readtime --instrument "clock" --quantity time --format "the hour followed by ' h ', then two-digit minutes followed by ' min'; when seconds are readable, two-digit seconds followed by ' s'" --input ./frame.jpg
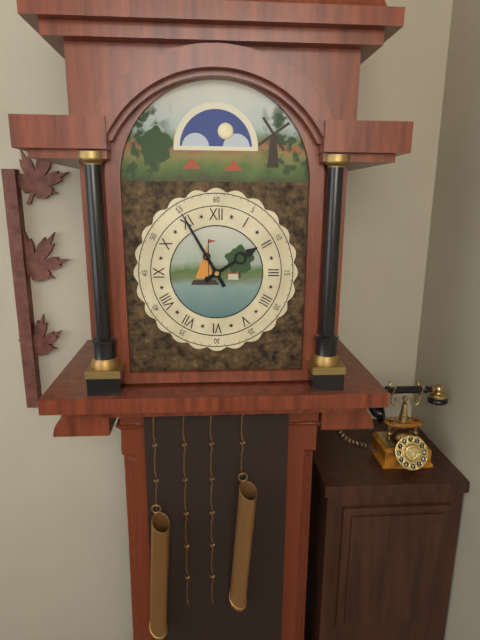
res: 1 h 55 min
